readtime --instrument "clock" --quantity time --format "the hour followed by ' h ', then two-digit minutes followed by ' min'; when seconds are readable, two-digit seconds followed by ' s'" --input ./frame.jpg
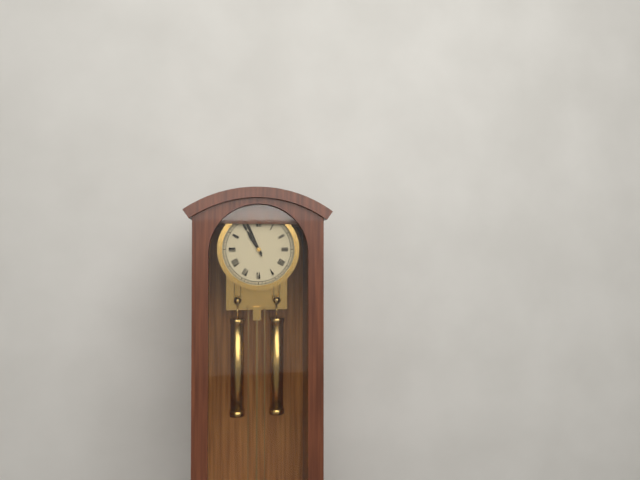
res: 10 h 56 min
